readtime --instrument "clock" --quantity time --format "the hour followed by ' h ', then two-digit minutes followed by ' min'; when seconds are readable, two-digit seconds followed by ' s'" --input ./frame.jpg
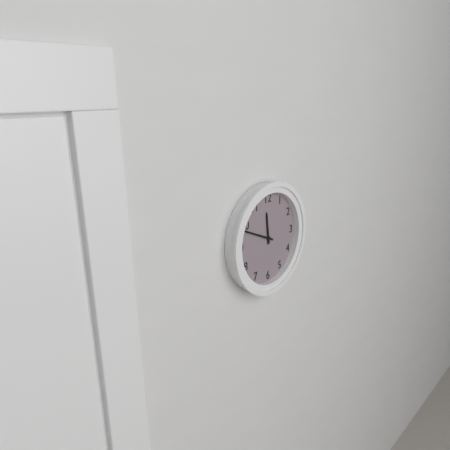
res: 11 h 49 min
